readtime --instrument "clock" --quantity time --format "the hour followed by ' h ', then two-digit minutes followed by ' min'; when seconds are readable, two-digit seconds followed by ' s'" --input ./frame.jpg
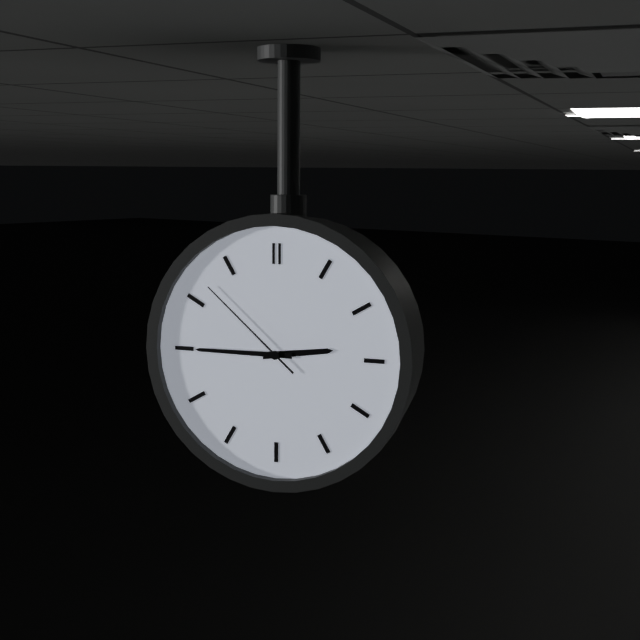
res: 2 h 45 min 52 s
